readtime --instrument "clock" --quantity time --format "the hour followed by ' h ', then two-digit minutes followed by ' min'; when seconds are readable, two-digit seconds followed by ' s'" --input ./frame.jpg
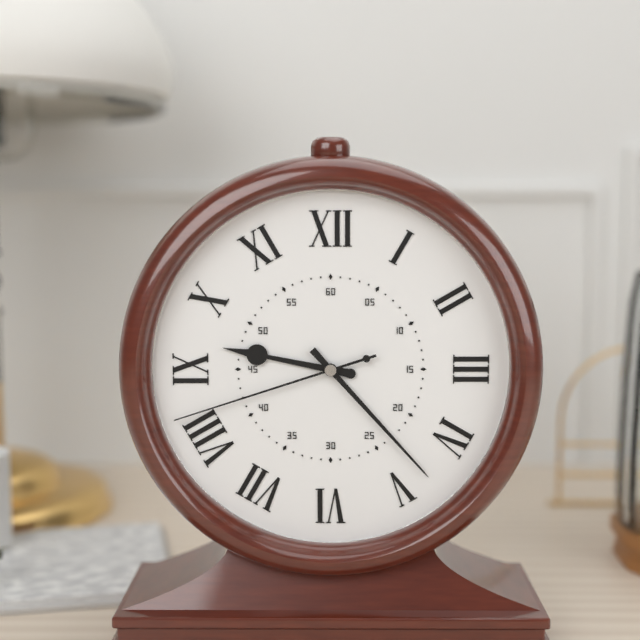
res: 9 h 23 min 42 s
